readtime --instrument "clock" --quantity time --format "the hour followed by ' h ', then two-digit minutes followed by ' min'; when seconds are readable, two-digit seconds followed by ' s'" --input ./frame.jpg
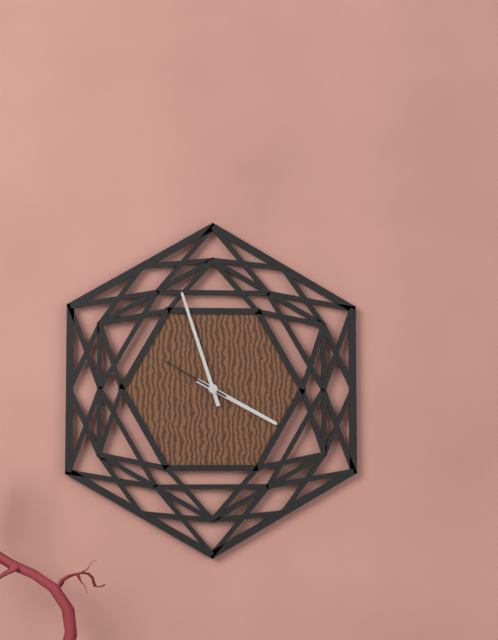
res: 3 h 57 min 50 s
